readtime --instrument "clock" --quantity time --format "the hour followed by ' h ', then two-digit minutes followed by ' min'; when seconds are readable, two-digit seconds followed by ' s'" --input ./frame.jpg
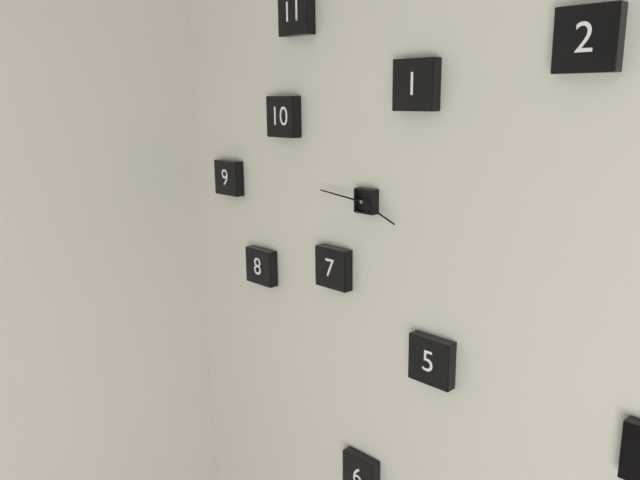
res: 3 h 46 min
